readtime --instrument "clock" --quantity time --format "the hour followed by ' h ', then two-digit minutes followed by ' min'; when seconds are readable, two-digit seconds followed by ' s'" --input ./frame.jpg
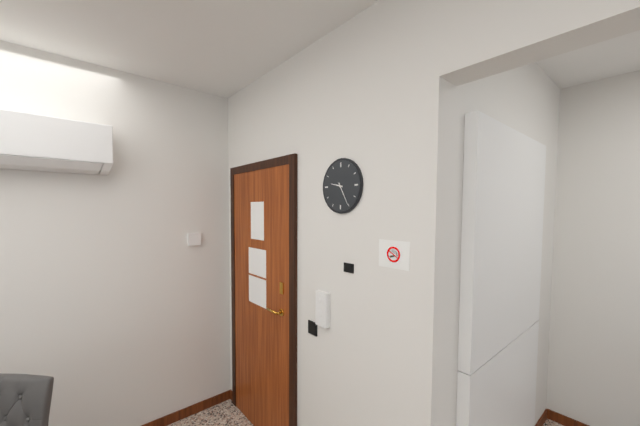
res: 9 h 25 min
